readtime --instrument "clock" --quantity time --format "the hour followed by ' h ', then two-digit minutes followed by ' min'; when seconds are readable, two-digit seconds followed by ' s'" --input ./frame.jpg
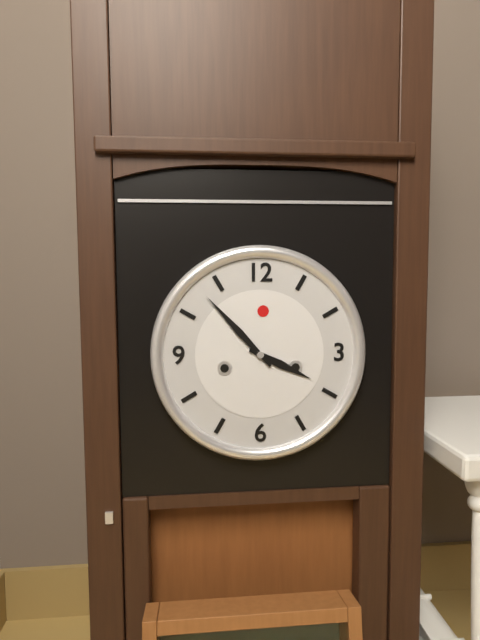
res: 3 h 53 min
